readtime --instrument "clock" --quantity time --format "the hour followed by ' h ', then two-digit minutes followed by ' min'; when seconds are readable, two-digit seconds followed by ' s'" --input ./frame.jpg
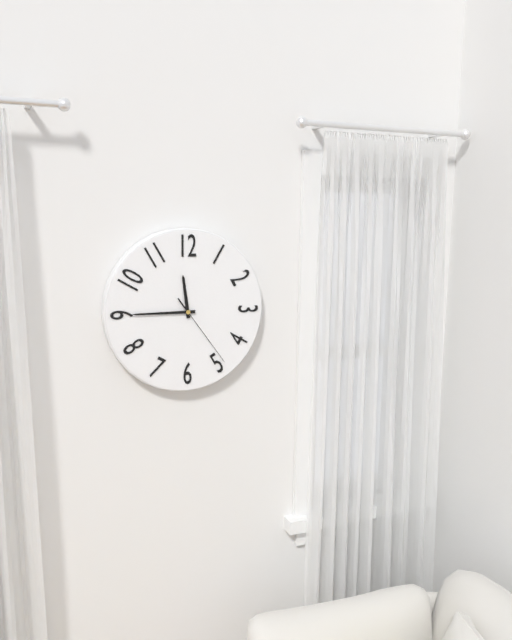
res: 11 h 45 min 24 s
